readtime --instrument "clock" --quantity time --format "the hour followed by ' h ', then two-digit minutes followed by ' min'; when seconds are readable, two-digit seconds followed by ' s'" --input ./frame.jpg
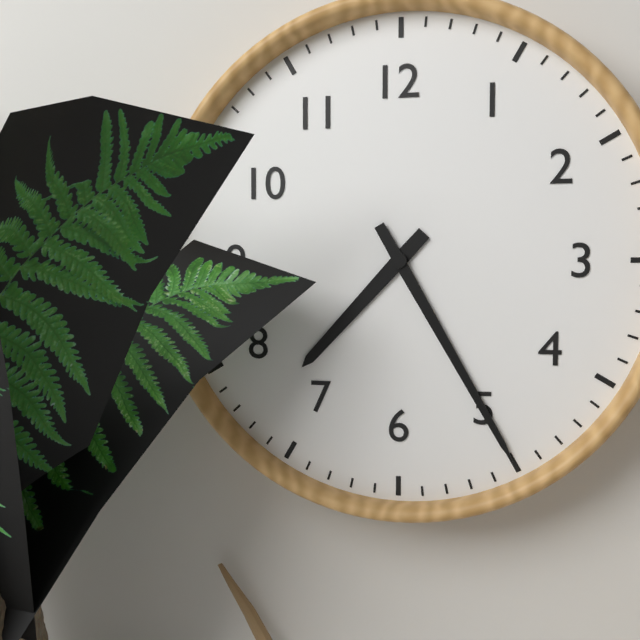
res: 7 h 25 min
